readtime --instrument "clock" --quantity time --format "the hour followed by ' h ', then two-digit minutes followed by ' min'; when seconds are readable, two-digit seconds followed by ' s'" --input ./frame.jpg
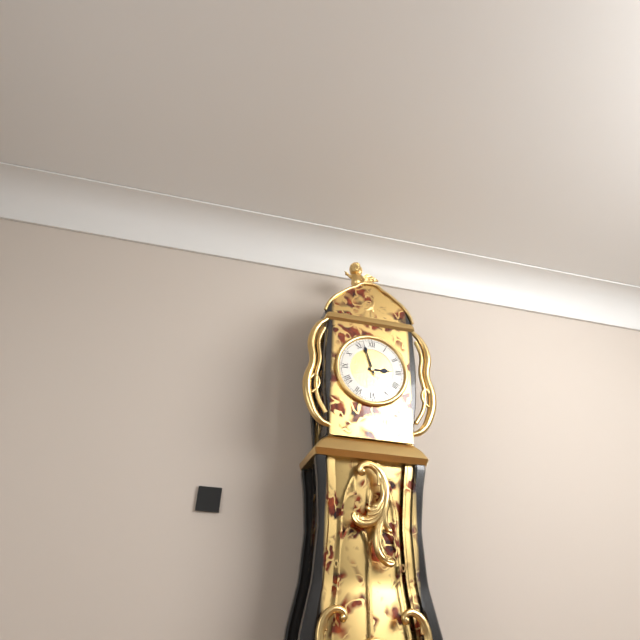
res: 2 h 57 min
